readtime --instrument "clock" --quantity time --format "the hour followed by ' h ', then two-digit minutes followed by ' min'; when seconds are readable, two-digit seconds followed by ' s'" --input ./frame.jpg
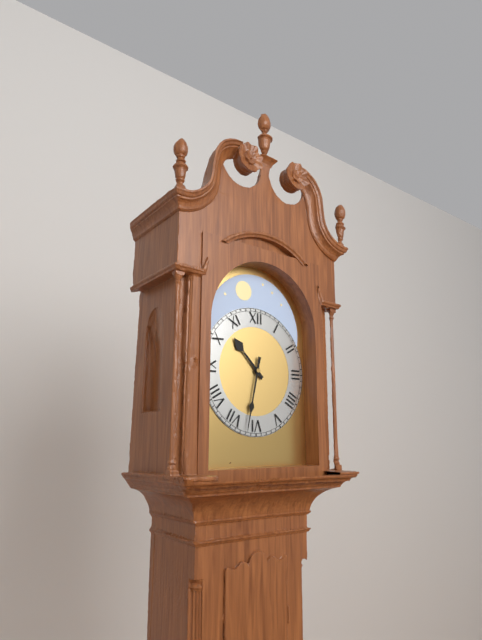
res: 10 h 32 min
